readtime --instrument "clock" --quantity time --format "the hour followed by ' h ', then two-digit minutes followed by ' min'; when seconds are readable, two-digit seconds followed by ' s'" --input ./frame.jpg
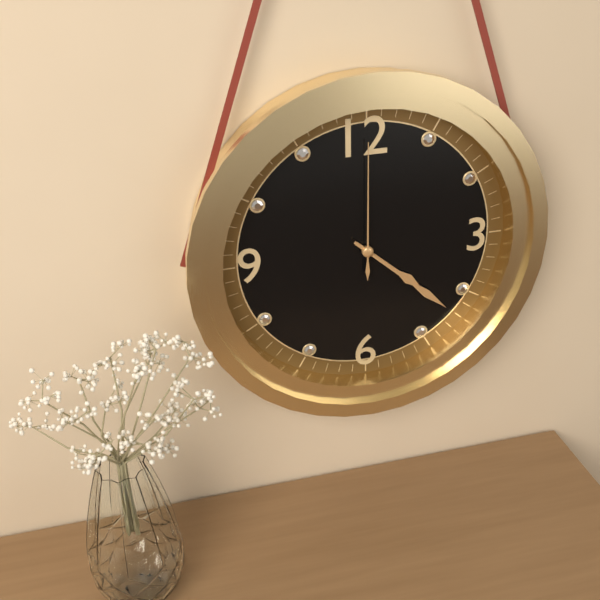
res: 4 h 22 min 00 s
